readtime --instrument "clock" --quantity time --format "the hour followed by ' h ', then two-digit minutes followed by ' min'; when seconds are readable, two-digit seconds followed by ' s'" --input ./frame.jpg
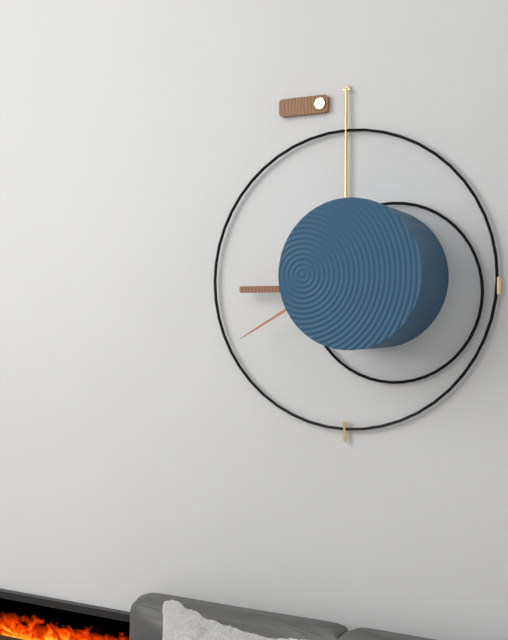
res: 11 h 40 min
